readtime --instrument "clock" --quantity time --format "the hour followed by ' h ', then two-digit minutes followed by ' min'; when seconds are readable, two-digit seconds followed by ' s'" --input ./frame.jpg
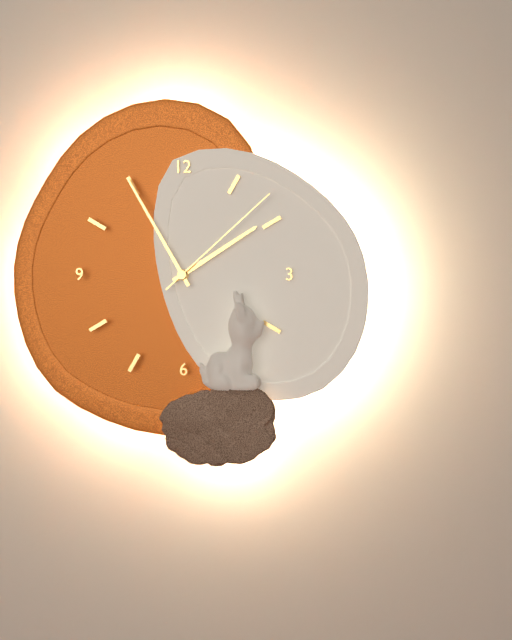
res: 1 h 55 min 08 s
